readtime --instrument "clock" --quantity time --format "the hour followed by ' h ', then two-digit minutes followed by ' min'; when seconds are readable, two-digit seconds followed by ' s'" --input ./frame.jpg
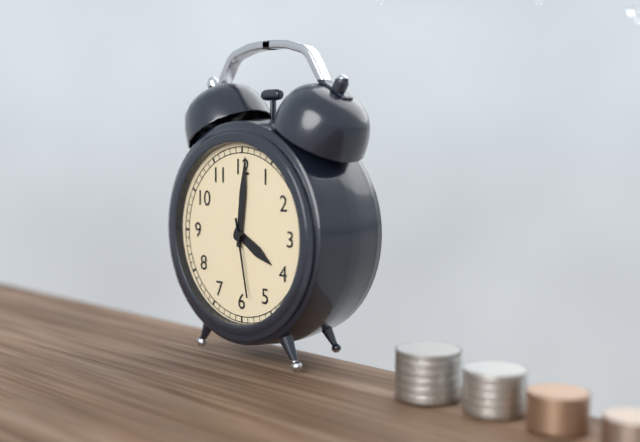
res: 4 h 01 min 28 s
